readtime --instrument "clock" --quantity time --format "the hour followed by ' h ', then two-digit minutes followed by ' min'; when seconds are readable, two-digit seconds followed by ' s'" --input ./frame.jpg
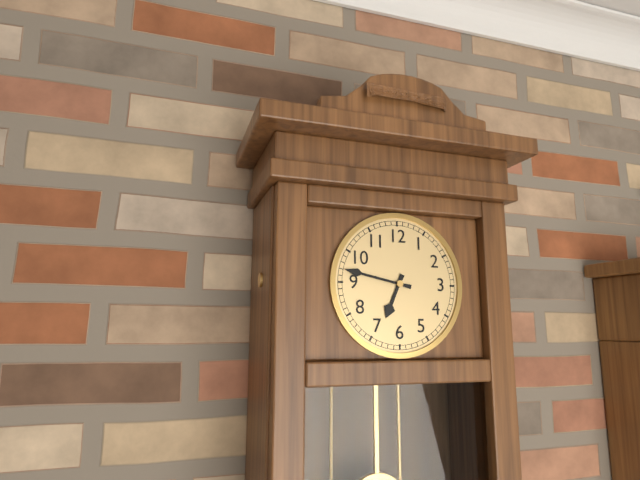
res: 6 h 47 min
